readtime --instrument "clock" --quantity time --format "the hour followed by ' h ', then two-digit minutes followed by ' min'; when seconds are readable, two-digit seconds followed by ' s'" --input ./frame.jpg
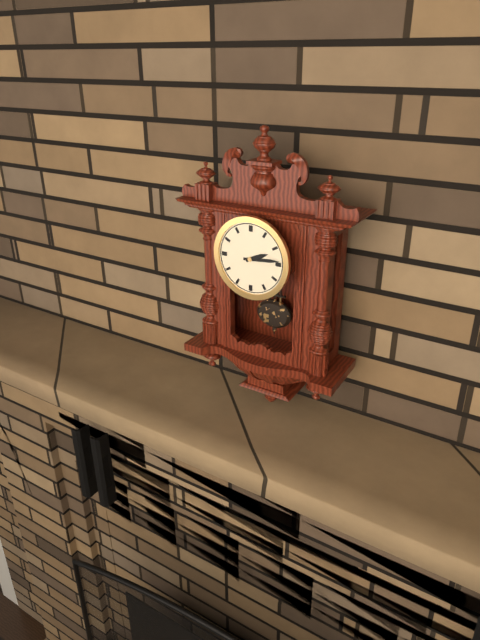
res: 2 h 14 min
